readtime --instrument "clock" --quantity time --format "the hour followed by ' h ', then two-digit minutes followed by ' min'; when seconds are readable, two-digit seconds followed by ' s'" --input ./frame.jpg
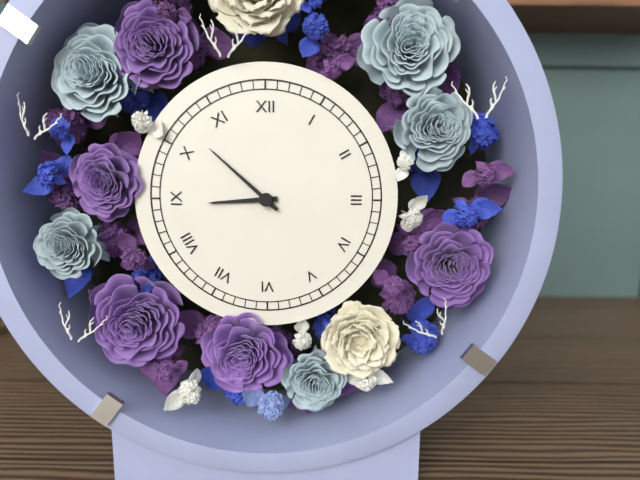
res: 8 h 52 min
